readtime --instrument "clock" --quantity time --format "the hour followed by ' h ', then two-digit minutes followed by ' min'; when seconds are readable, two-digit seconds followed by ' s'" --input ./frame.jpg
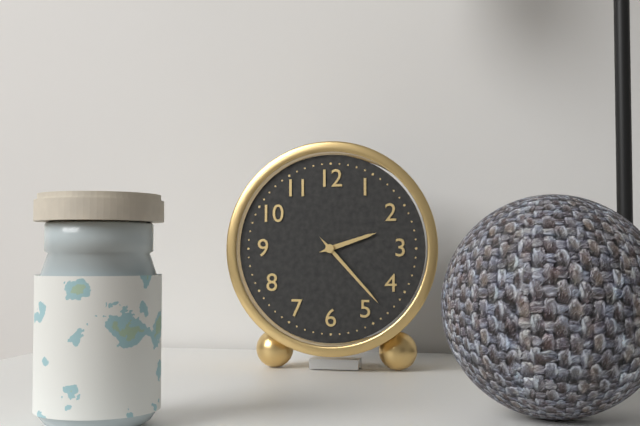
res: 2 h 23 min
